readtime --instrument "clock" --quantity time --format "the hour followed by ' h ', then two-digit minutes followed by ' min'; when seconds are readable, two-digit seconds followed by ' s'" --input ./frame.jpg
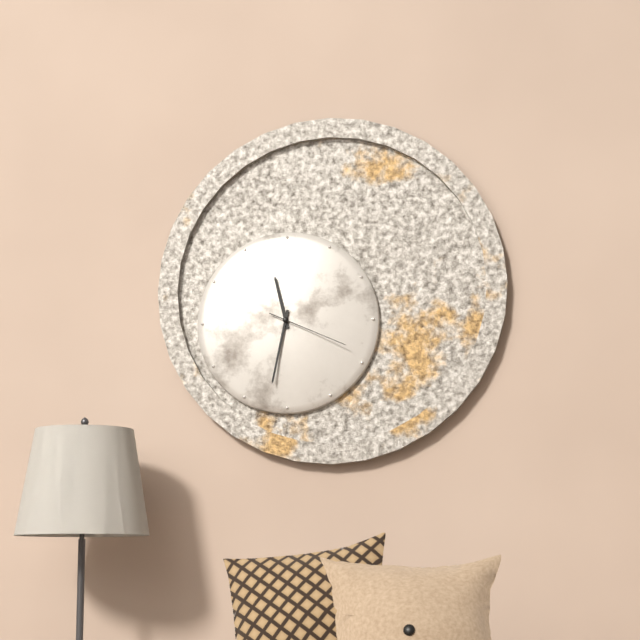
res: 11 h 32 min 19 s
